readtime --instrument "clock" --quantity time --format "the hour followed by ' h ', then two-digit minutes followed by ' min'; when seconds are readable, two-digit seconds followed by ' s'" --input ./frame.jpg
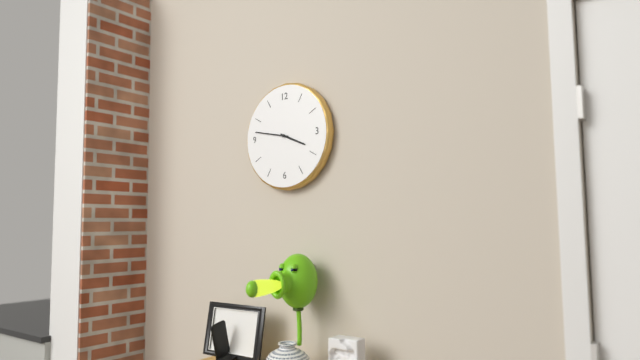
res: 3 h 47 min
